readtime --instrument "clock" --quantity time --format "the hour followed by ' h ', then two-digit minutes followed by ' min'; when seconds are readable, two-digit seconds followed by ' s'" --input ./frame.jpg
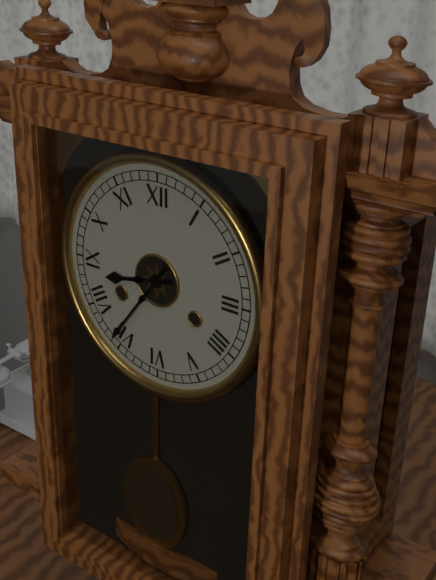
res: 8 h 36 min
